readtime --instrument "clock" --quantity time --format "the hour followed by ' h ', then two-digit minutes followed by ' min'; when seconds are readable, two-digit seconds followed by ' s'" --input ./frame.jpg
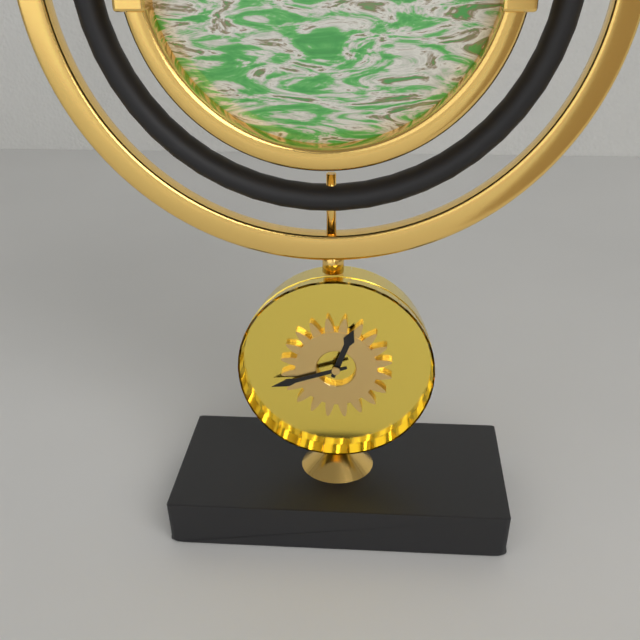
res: 12 h 42 min
